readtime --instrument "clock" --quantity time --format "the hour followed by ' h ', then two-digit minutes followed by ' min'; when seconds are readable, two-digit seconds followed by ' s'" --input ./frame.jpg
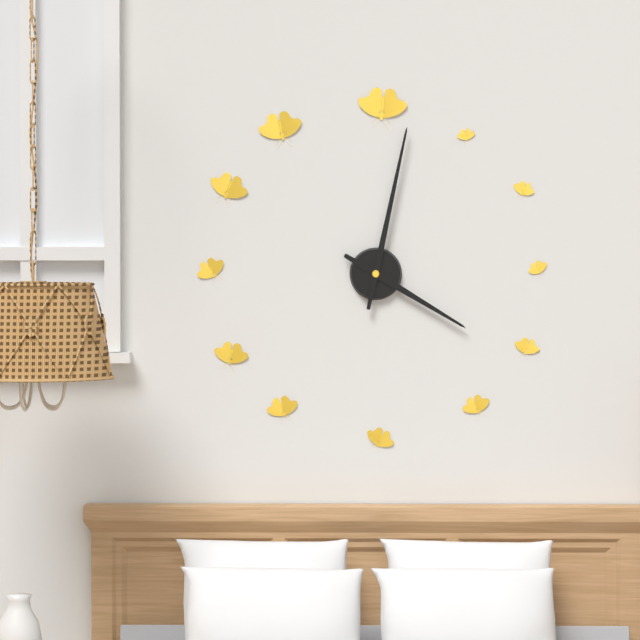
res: 4 h 02 min
